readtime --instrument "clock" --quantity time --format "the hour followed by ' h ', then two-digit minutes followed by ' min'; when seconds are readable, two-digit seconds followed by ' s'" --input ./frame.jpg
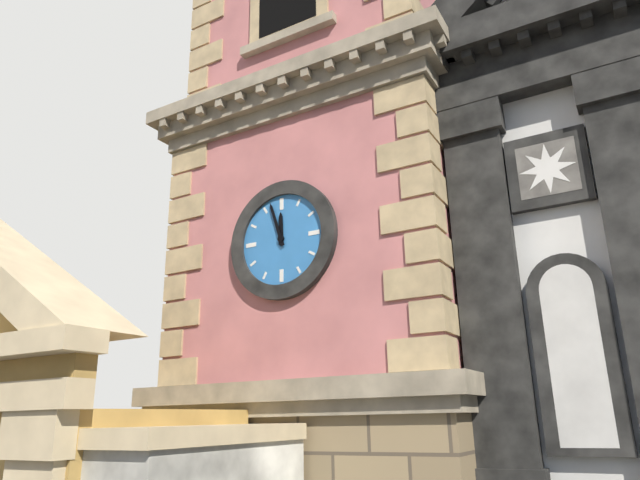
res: 11 h 57 min
